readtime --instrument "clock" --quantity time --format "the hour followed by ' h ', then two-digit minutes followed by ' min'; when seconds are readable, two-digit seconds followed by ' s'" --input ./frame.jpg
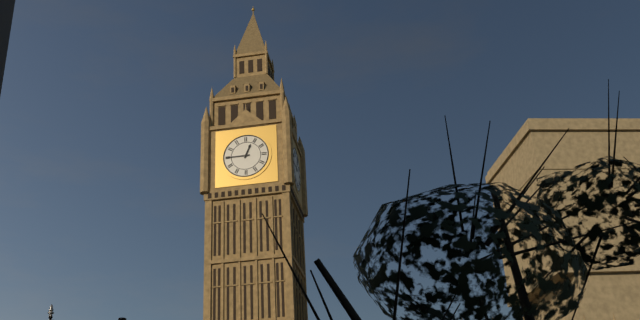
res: 12 h 45 min
